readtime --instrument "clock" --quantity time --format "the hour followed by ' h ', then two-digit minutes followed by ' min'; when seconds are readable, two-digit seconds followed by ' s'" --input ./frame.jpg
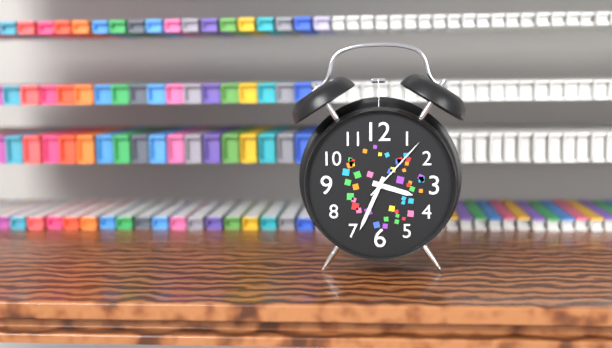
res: 3 h 34 min 07 s
